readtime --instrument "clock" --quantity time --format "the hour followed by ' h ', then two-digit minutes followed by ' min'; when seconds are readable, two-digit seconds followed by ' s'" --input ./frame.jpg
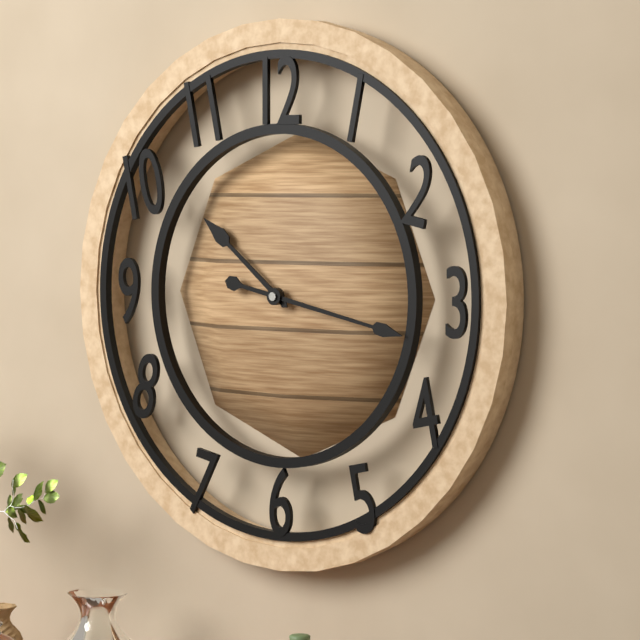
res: 10 h 17 min
